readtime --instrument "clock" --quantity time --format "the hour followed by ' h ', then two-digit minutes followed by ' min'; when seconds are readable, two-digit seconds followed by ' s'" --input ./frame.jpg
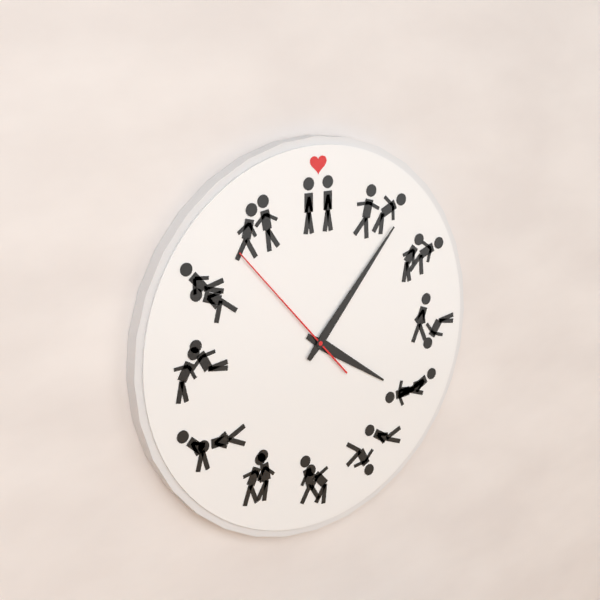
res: 4 h 07 min 53 s
